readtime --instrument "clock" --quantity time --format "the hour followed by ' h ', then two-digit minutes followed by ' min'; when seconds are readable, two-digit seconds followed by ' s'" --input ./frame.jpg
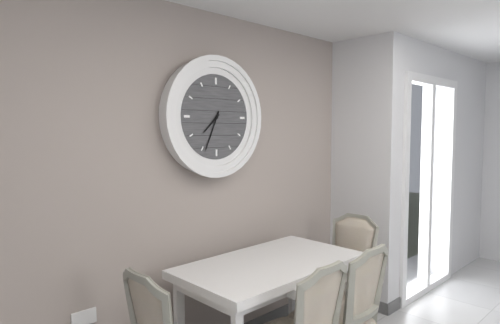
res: 7 h 34 min
